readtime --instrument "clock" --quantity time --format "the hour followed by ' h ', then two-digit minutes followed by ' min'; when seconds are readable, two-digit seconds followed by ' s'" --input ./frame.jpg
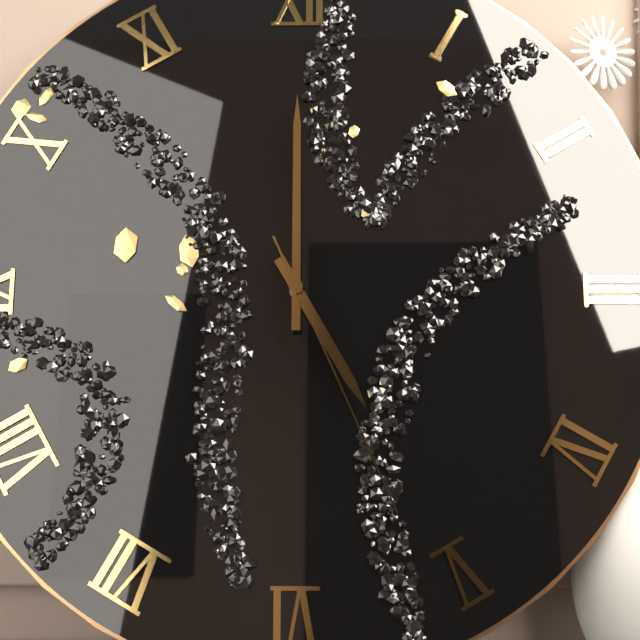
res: 5 h 00 min 26 s
